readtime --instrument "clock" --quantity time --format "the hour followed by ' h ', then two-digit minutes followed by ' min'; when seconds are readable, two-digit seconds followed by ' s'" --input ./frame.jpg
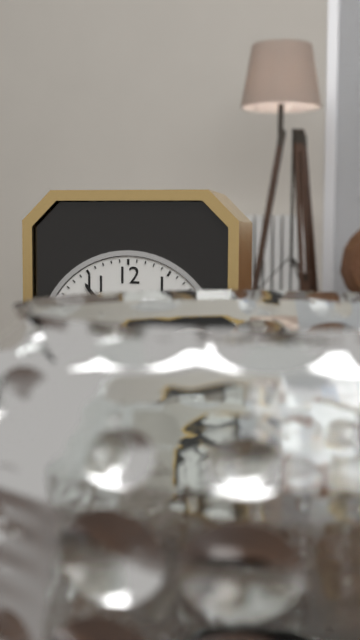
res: 1 h 54 min
